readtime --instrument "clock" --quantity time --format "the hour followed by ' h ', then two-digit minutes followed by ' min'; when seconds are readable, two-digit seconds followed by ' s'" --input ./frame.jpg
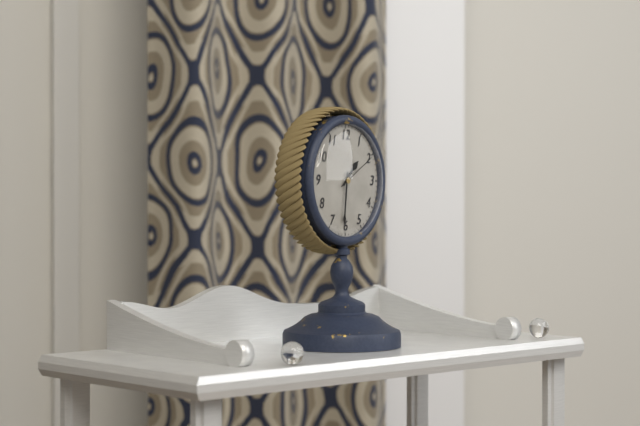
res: 1 h 31 min
